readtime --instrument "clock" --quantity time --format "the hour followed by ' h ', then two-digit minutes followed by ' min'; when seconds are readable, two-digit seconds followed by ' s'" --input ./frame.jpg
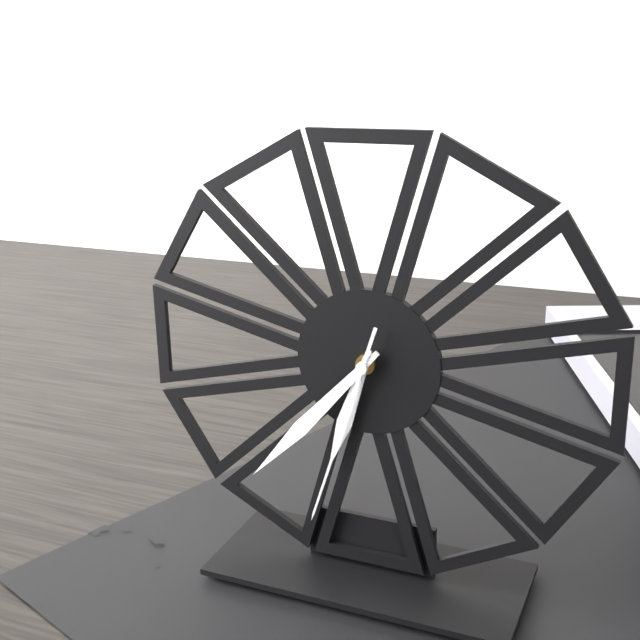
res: 6 h 37 min 33 s
